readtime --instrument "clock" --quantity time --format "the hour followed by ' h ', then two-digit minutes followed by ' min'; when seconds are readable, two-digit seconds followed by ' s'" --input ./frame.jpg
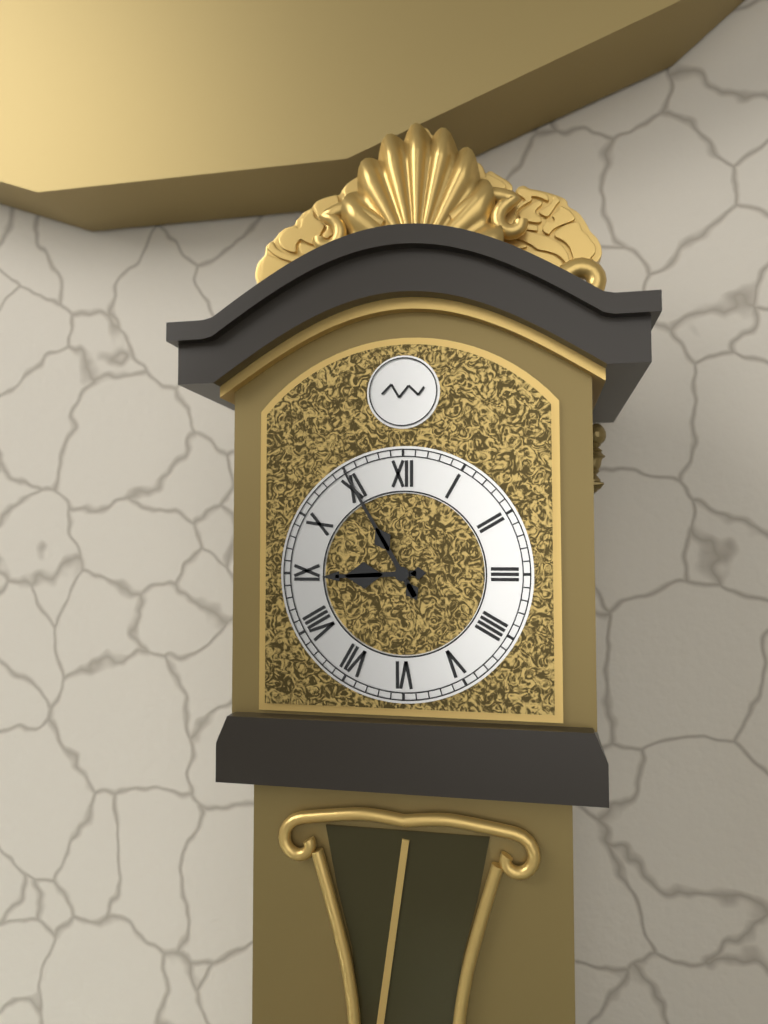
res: 8 h 55 min
